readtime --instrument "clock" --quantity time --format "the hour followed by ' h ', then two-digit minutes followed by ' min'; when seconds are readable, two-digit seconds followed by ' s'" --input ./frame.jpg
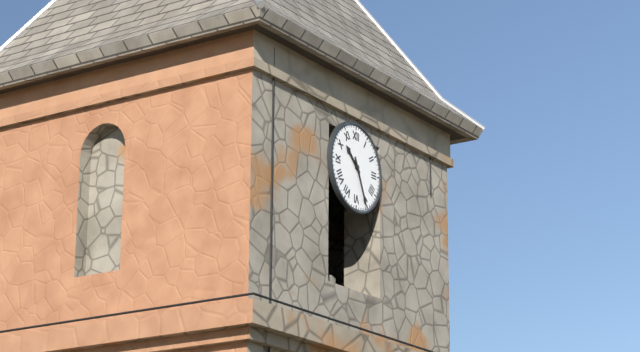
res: 10 h 26 min
